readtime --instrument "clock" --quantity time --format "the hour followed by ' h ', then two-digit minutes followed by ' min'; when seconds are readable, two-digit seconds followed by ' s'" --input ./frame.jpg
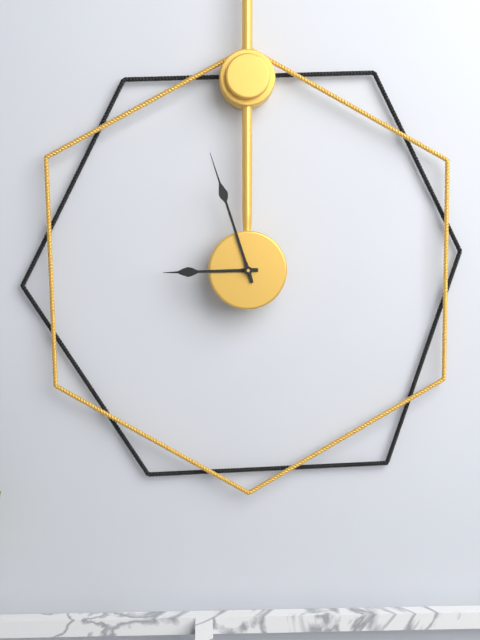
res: 8 h 57 min
